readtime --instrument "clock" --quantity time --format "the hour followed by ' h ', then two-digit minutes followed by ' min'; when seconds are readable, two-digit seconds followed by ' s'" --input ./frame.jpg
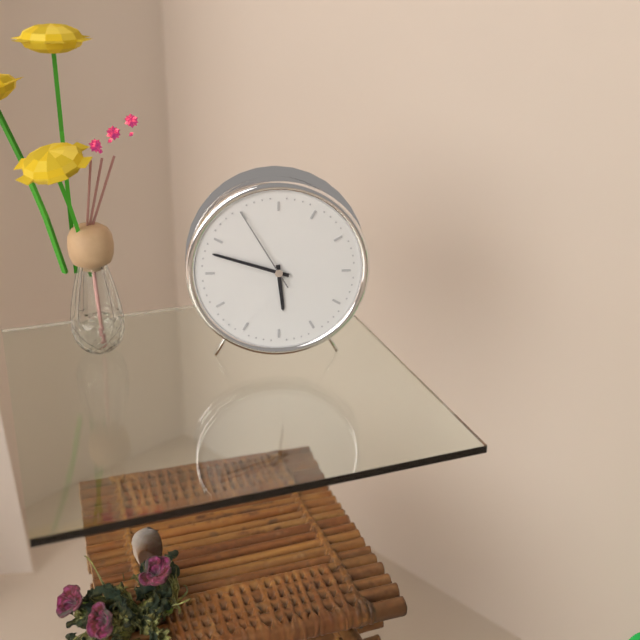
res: 5 h 48 min 55 s
